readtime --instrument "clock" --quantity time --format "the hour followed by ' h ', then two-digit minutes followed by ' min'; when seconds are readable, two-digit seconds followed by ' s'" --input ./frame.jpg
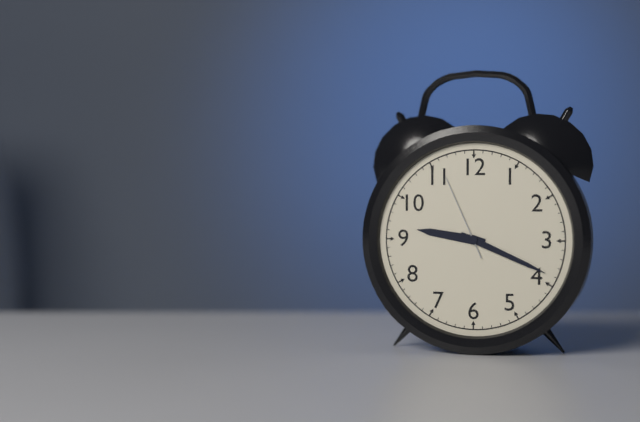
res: 9 h 19 min 56 s
